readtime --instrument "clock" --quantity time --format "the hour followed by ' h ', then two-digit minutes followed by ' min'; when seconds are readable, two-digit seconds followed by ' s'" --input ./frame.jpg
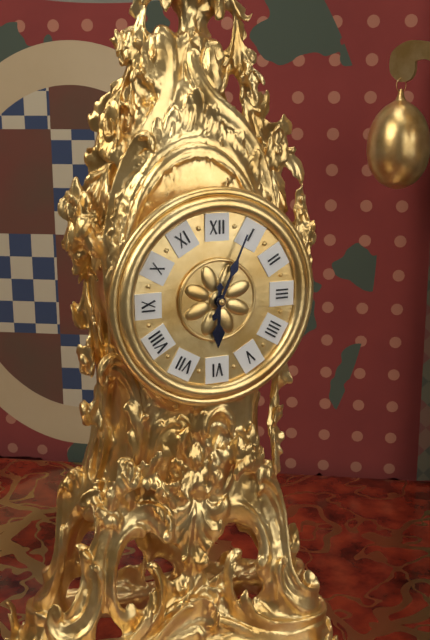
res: 6 h 04 min
